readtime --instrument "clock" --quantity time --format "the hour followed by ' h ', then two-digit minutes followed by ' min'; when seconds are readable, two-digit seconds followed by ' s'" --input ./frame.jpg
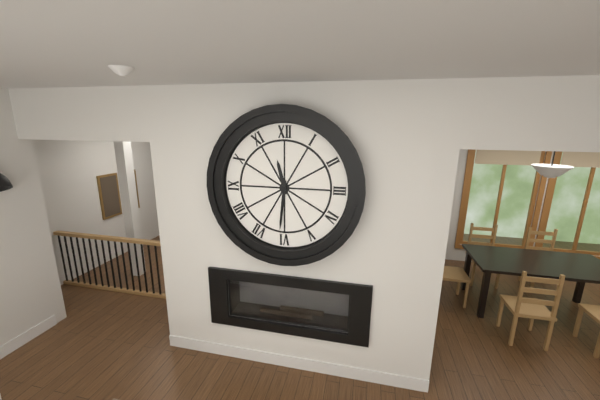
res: 11 h 31 min
